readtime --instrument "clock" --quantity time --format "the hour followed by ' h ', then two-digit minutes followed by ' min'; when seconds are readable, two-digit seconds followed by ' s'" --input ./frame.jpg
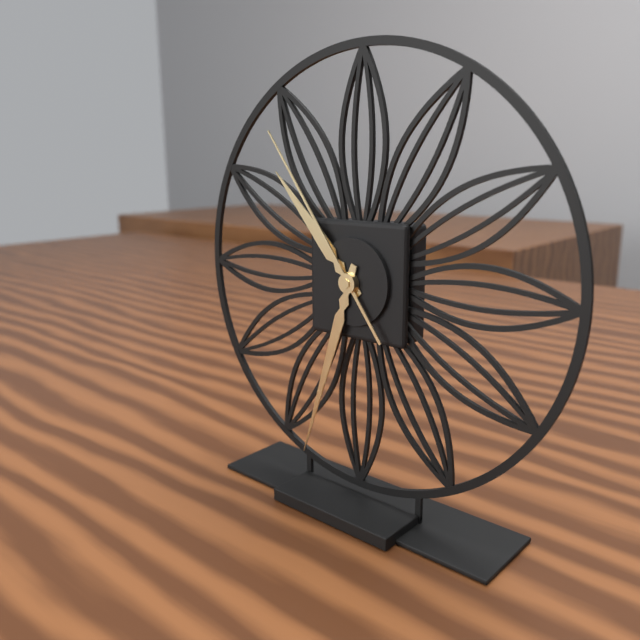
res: 10 h 33 min 54 s
